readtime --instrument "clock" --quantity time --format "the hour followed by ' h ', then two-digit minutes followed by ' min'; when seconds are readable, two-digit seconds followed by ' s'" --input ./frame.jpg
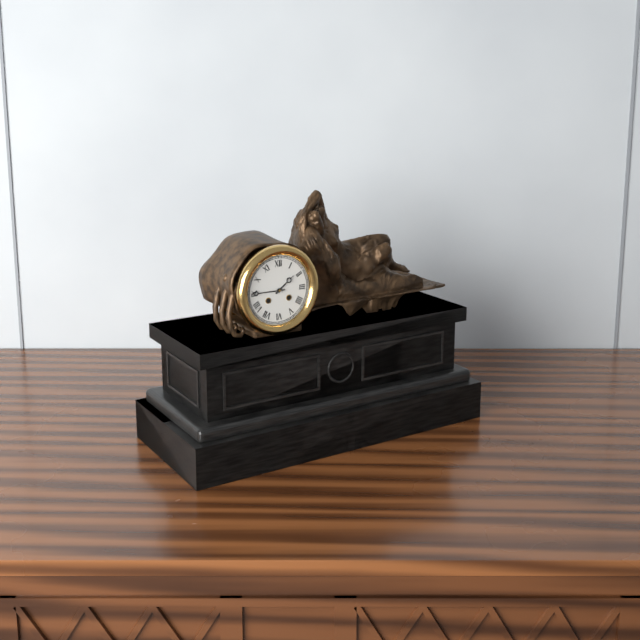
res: 1 h 45 min
